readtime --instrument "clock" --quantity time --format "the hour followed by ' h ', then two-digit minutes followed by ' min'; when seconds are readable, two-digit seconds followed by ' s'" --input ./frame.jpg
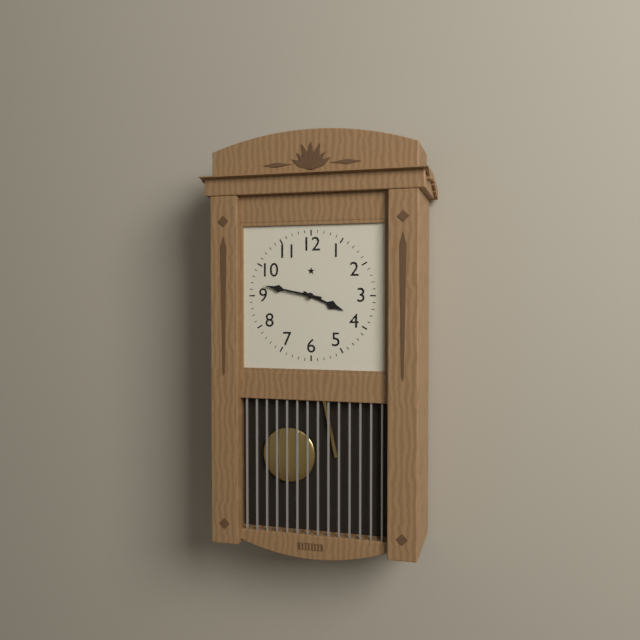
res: 3 h 47 min
